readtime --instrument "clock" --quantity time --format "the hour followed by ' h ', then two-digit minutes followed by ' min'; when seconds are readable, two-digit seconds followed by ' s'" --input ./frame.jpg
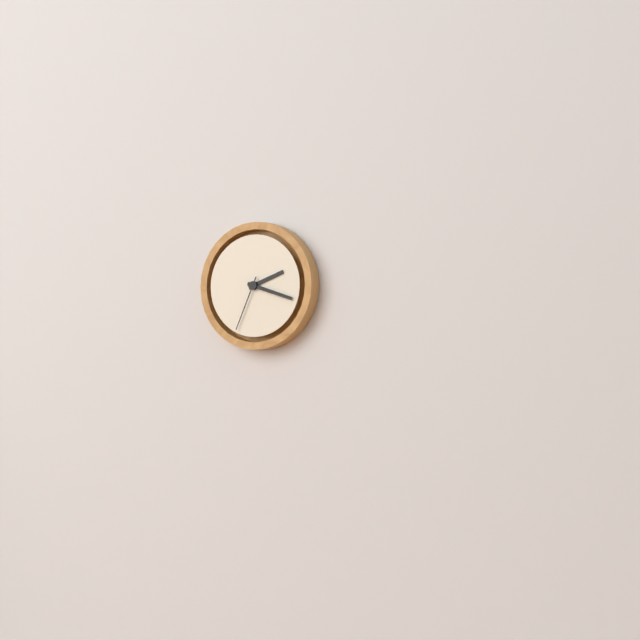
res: 2 h 18 min 34 s
